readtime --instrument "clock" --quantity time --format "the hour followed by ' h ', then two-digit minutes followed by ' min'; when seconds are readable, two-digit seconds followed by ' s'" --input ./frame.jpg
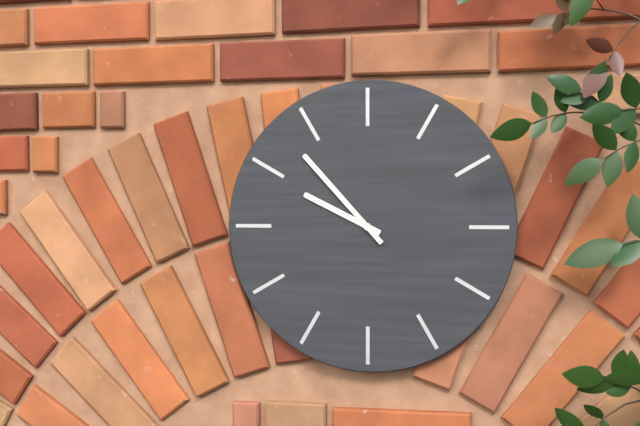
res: 9 h 53 min
